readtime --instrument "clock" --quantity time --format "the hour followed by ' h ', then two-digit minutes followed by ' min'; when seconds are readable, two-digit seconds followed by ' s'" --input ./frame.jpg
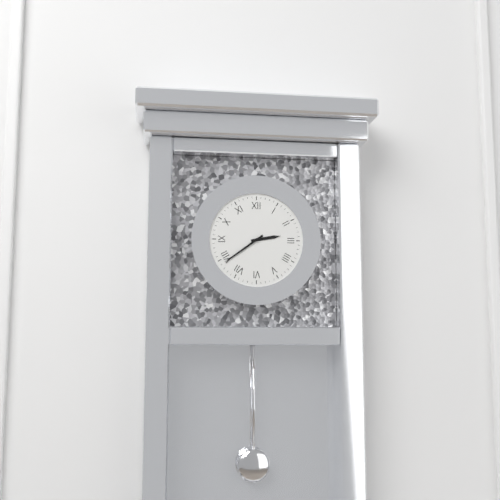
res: 2 h 39 min
